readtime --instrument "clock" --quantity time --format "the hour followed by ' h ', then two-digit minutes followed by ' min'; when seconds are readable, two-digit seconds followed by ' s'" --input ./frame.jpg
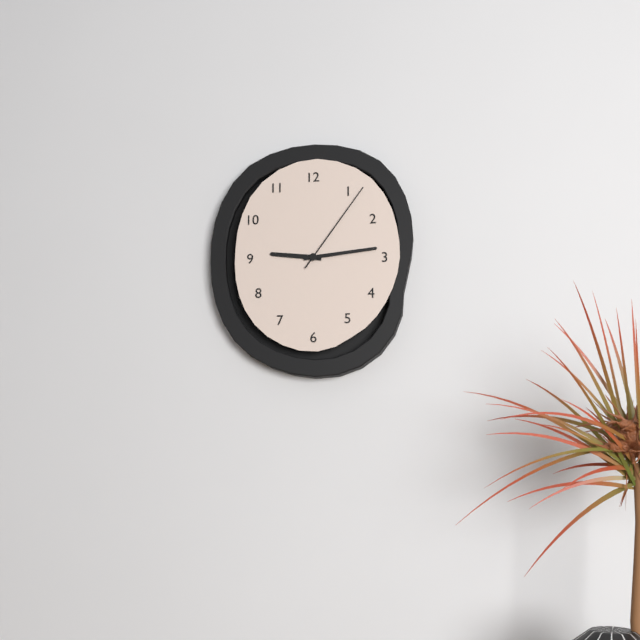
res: 9 h 14 min 06 s
